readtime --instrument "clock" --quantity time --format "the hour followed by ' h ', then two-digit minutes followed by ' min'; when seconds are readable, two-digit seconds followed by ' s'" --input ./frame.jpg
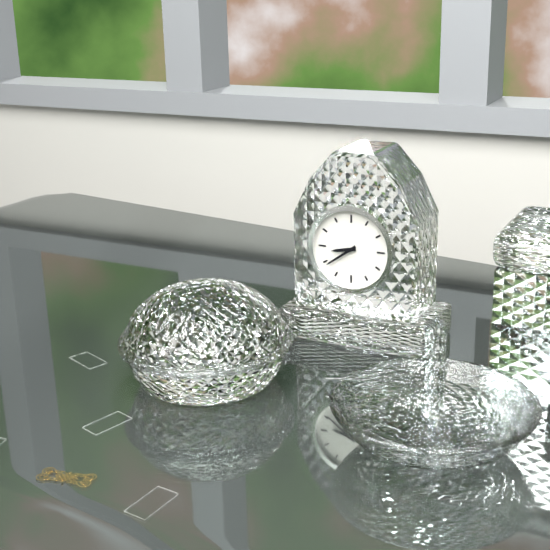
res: 8 h 39 min
